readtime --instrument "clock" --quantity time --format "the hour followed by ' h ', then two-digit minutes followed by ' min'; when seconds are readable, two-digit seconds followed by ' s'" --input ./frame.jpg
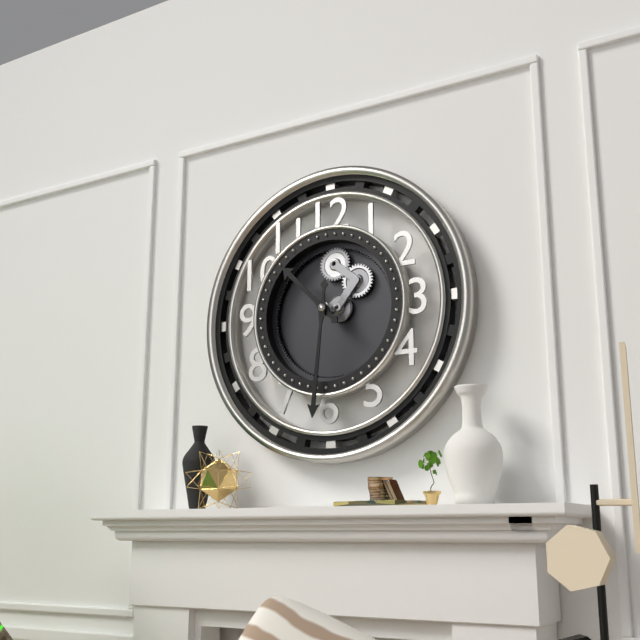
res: 10 h 31 min
